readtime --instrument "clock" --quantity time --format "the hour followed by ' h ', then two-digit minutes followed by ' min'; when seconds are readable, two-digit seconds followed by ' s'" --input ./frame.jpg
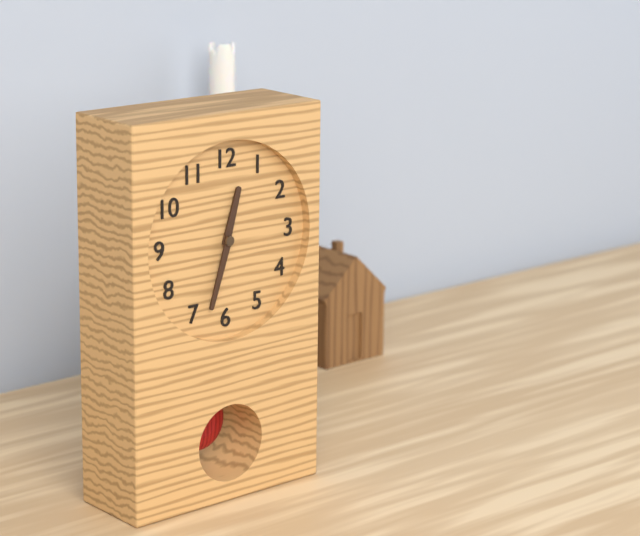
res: 12 h 33 min
